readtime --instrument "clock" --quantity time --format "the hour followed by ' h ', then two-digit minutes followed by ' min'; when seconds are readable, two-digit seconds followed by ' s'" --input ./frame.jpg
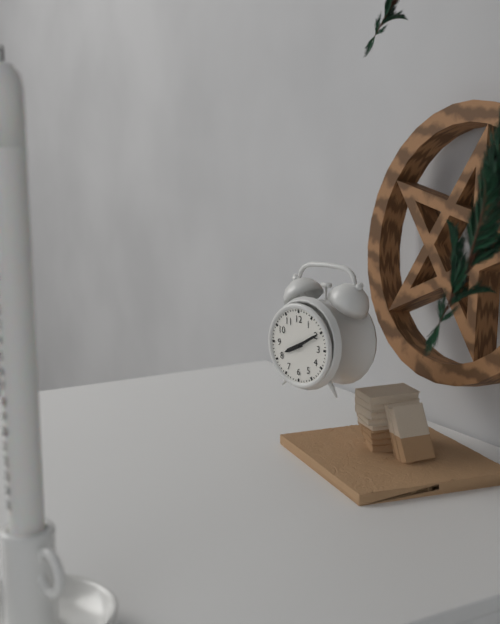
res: 8 h 10 min
